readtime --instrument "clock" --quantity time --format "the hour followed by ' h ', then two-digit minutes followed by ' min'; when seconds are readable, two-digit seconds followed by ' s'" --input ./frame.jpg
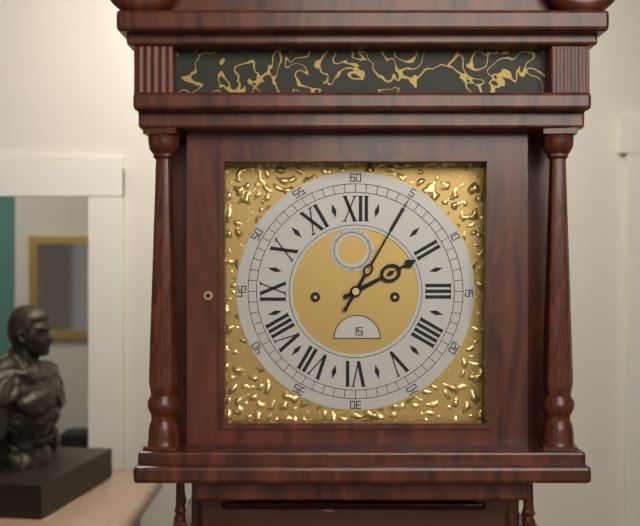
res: 2 h 05 min
